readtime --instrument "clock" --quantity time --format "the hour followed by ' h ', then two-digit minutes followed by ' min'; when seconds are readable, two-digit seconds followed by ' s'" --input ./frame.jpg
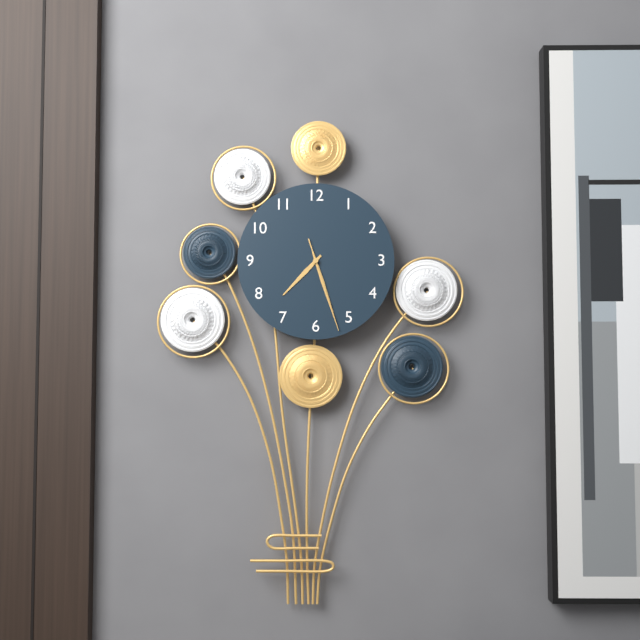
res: 7 h 27 min 27 s
